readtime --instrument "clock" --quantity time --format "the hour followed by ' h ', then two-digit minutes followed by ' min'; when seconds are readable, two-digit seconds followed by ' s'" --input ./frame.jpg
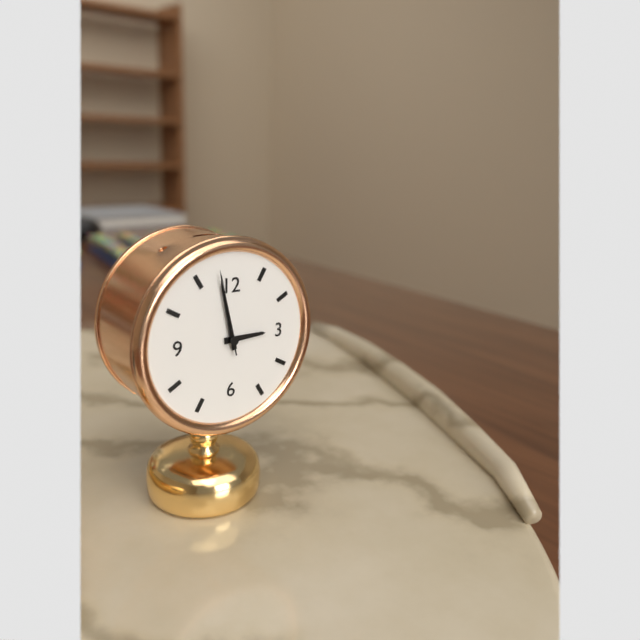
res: 2 h 58 min 58 s
